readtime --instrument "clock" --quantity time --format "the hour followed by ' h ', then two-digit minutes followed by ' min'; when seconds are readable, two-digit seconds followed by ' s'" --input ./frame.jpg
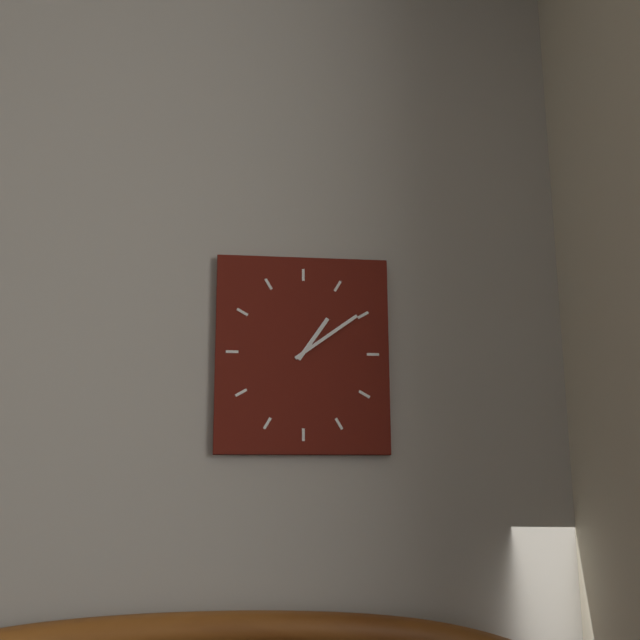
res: 1 h 09 min
